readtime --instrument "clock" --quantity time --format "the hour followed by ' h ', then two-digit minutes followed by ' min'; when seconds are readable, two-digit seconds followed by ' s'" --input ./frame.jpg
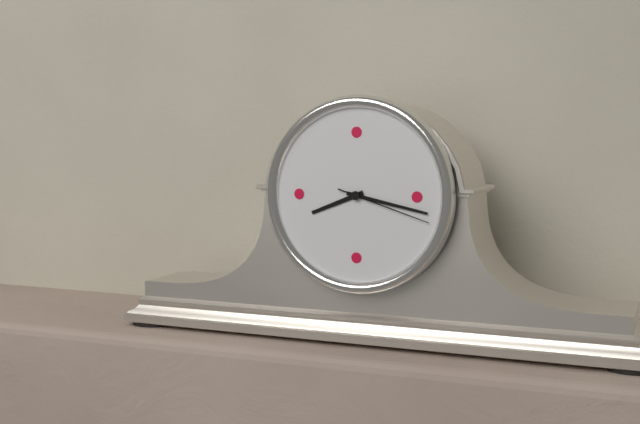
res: 8 h 17 min 18 s
